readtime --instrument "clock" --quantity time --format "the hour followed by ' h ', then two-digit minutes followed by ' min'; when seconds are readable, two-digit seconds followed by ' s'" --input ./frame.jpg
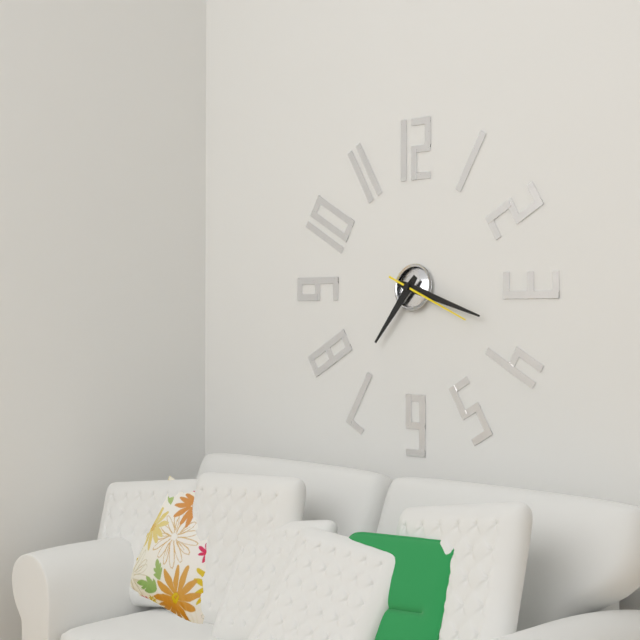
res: 7 h 18 min 19 s
